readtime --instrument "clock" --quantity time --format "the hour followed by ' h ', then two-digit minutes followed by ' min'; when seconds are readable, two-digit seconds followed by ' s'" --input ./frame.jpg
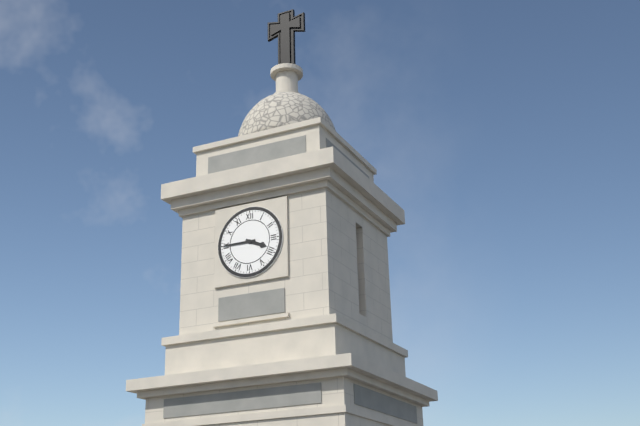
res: 3 h 45 min
